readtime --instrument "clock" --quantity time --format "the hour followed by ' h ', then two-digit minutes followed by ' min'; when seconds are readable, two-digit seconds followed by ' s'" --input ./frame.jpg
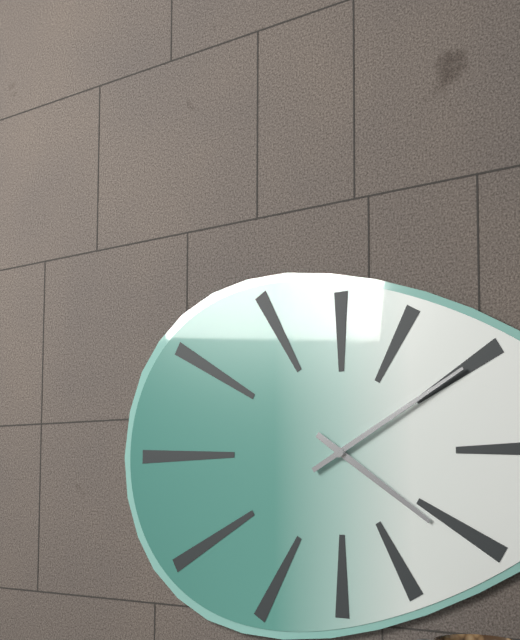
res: 4 h 10 min
